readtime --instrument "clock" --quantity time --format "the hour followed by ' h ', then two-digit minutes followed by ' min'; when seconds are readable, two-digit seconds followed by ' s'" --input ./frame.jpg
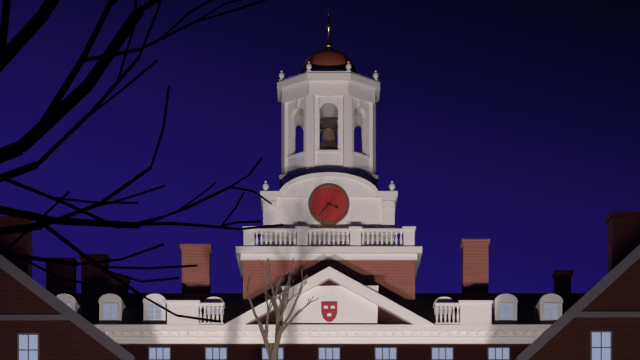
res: 3 h 37 min
